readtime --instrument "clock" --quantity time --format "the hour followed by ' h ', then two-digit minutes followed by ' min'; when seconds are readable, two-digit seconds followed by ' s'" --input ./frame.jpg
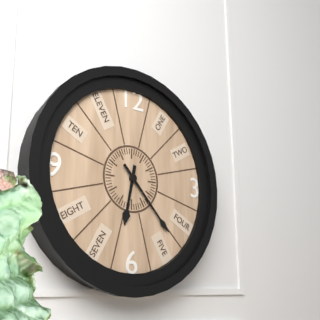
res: 6 h 23 min
